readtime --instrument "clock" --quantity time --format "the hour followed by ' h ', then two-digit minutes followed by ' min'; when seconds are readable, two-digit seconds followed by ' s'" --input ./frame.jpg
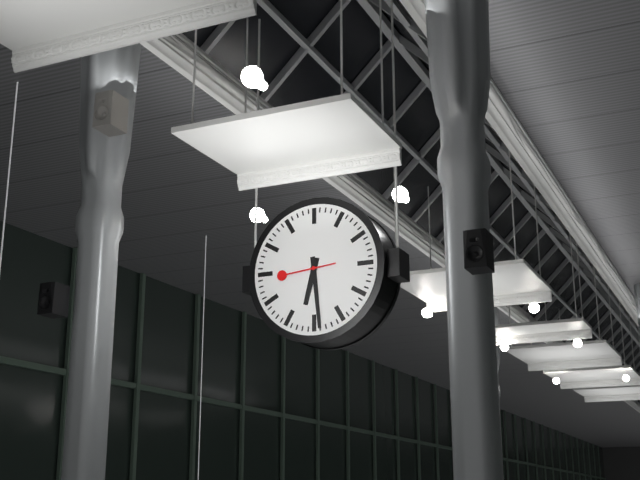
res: 6 h 29 min
